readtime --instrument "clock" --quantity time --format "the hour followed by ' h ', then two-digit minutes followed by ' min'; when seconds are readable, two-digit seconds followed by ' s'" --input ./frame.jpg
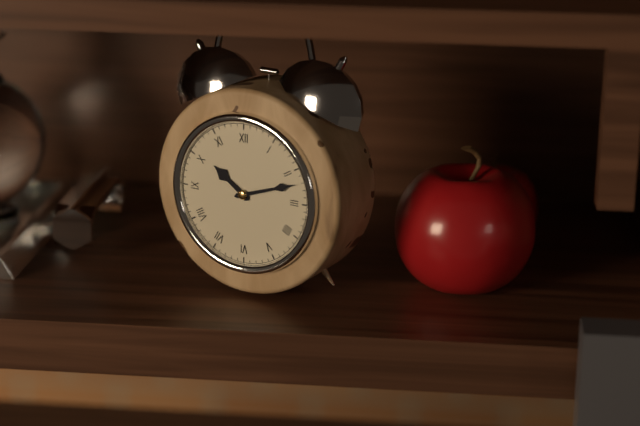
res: 10 h 12 min
